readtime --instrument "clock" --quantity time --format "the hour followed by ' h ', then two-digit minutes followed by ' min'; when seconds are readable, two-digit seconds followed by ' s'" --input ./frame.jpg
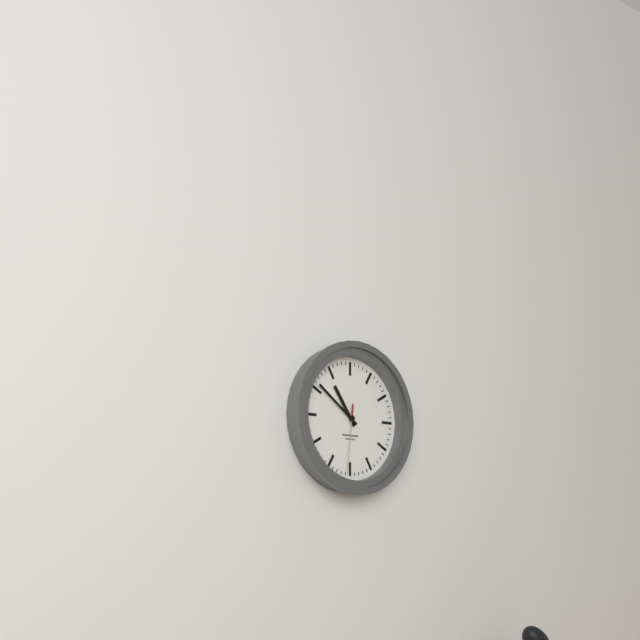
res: 10 h 51 min 31 s
